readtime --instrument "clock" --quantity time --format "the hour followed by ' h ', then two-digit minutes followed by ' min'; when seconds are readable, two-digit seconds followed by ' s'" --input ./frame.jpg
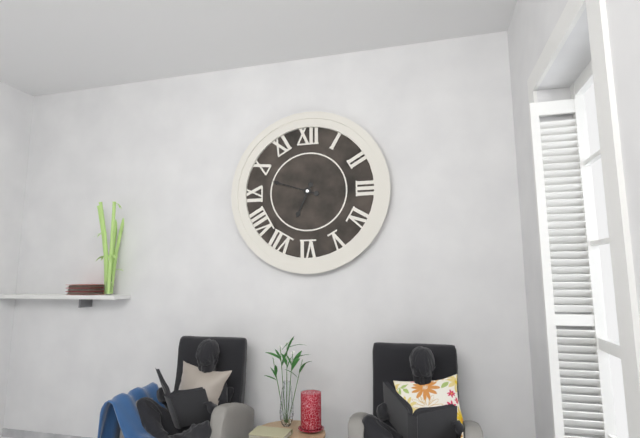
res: 6 h 48 min
